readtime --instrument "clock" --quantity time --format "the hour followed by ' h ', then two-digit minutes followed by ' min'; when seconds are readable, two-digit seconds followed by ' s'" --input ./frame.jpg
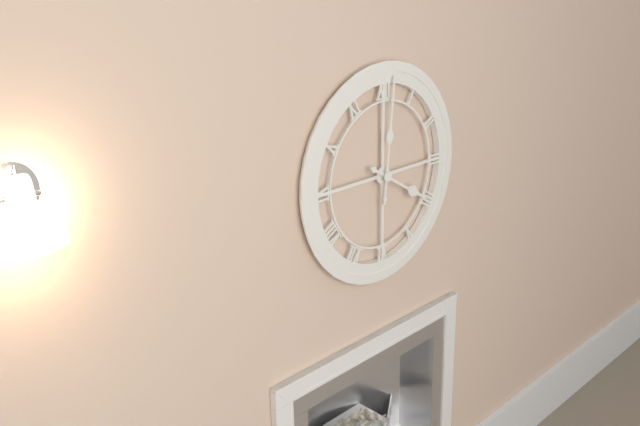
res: 4 h 01 min
